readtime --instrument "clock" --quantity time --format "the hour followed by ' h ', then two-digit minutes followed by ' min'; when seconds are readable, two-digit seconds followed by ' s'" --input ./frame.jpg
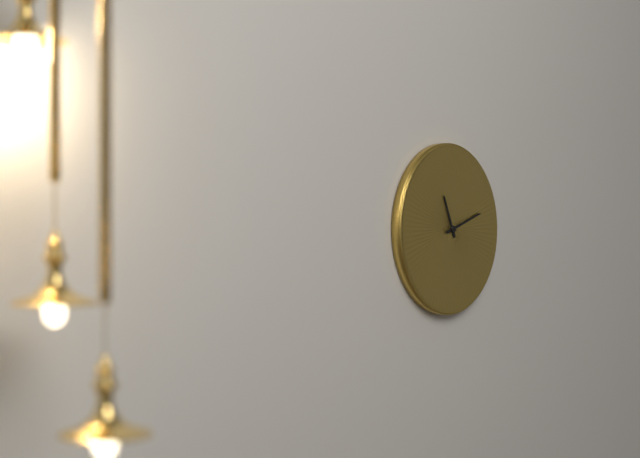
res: 11 h 12 min
